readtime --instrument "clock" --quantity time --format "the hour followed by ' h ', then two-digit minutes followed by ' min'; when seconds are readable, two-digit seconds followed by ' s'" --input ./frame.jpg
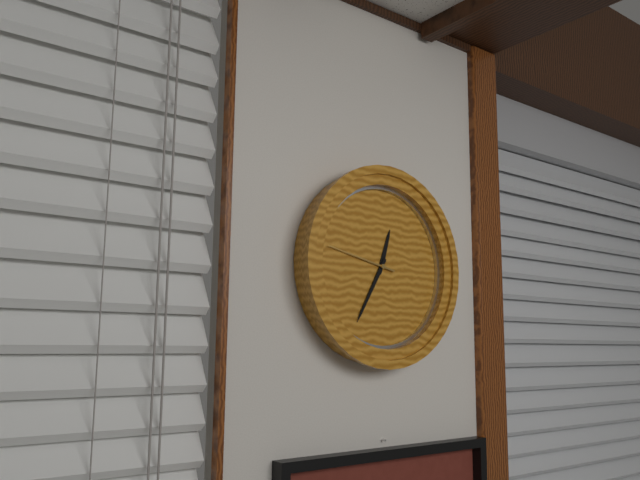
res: 12 h 35 min 47 s
